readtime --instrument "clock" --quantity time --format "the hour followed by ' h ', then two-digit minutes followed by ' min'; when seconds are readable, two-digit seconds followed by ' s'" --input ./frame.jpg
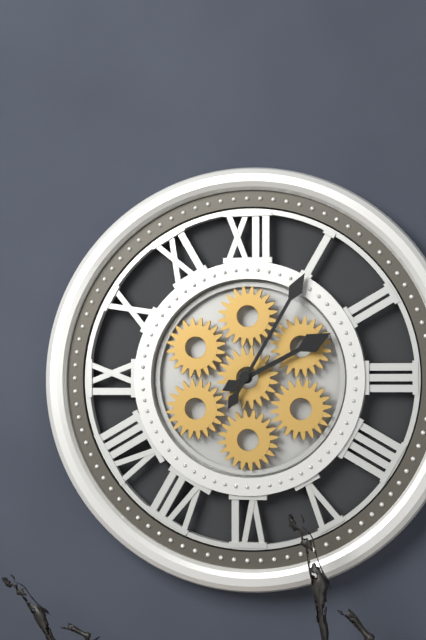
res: 2 h 05 min
